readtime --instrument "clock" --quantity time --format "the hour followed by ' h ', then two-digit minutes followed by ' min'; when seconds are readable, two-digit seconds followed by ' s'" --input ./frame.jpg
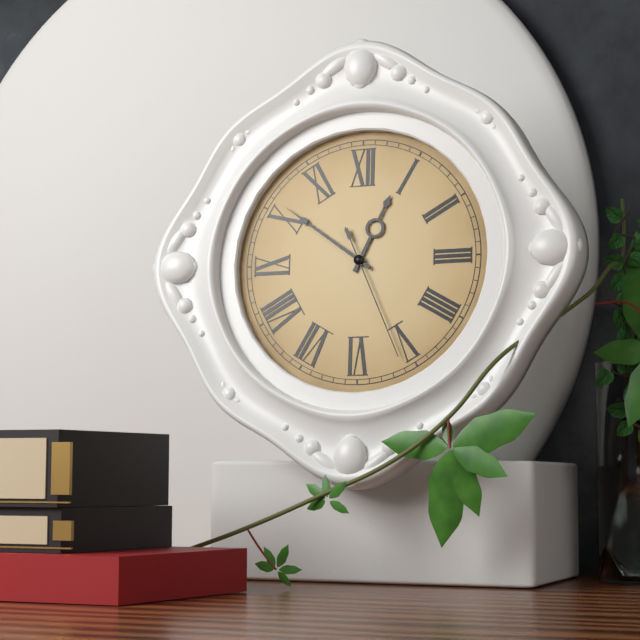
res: 12 h 51 min 26 s
